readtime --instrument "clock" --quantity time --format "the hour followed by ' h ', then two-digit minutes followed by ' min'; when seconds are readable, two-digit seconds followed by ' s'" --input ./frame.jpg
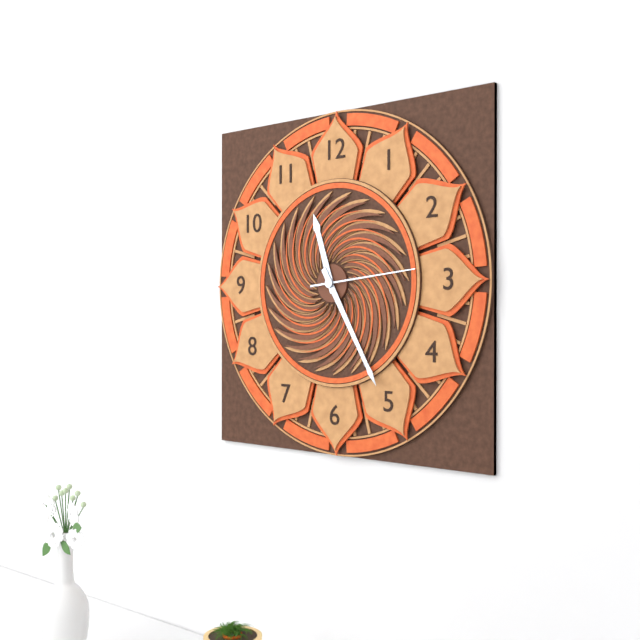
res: 11 h 25 min 14 s
